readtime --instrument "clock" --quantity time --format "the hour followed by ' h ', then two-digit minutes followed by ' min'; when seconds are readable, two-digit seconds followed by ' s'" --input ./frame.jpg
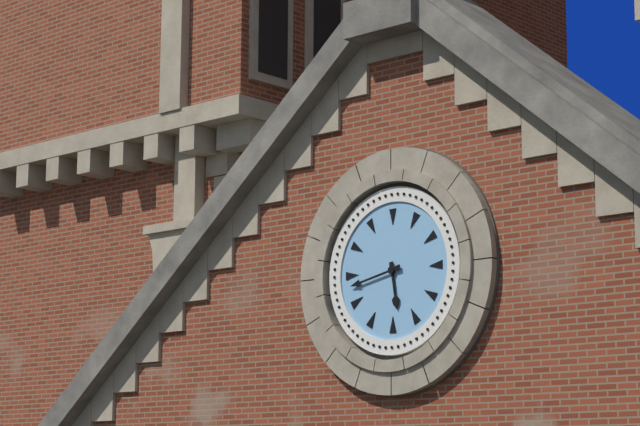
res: 5 h 43 min
